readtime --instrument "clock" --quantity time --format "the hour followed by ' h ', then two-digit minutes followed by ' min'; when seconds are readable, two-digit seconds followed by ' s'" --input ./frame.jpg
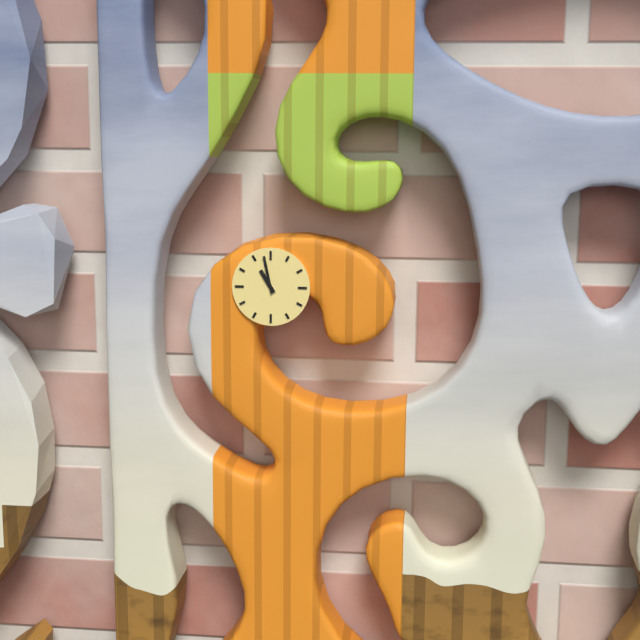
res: 10 h 58 min
